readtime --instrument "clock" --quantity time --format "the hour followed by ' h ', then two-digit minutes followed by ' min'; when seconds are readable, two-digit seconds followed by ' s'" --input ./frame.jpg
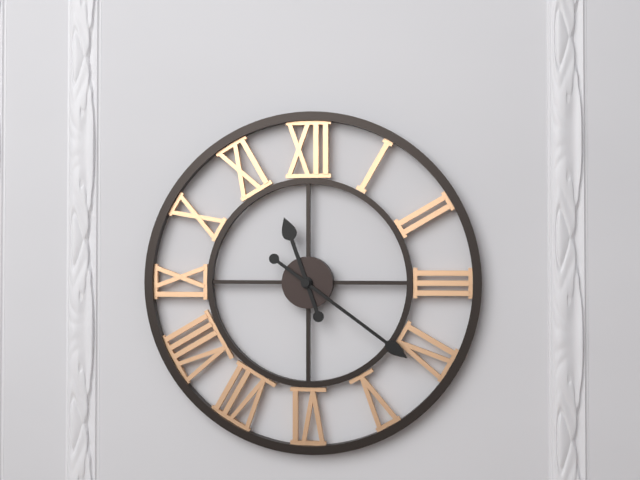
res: 11 h 21 min
